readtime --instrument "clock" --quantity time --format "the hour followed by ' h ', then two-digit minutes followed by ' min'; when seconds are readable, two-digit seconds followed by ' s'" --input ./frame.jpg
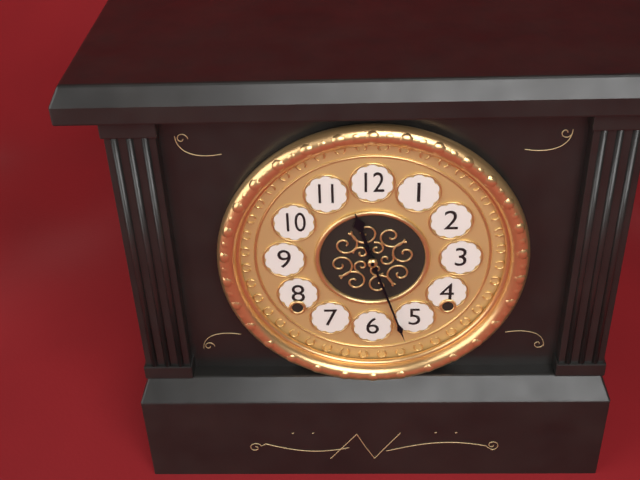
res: 11 h 27 min
